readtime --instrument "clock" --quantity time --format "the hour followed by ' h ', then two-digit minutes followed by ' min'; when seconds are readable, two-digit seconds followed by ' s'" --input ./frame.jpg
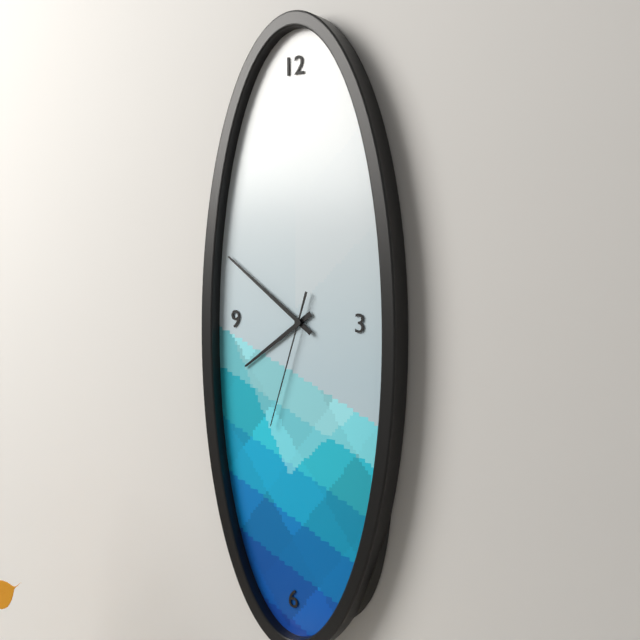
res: 7 h 51 min 33 s
